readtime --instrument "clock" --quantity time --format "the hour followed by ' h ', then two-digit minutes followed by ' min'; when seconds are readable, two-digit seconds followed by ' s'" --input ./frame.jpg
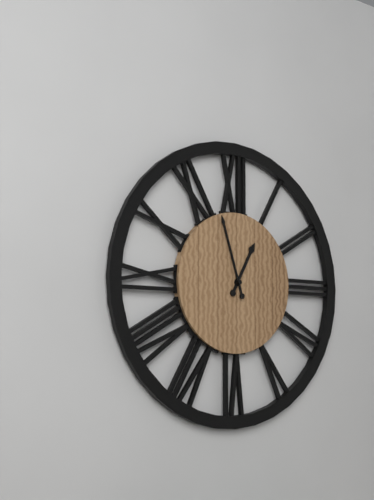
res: 12 h 57 min
